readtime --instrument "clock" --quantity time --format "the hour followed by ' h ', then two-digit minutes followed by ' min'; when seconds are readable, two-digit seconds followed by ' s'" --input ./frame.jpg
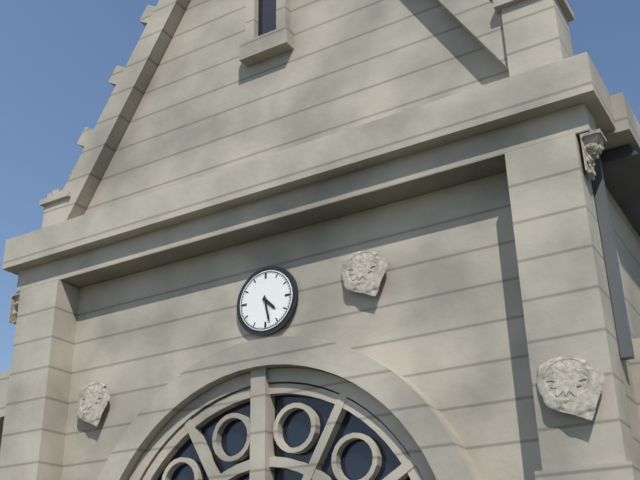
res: 4 h 28 min
